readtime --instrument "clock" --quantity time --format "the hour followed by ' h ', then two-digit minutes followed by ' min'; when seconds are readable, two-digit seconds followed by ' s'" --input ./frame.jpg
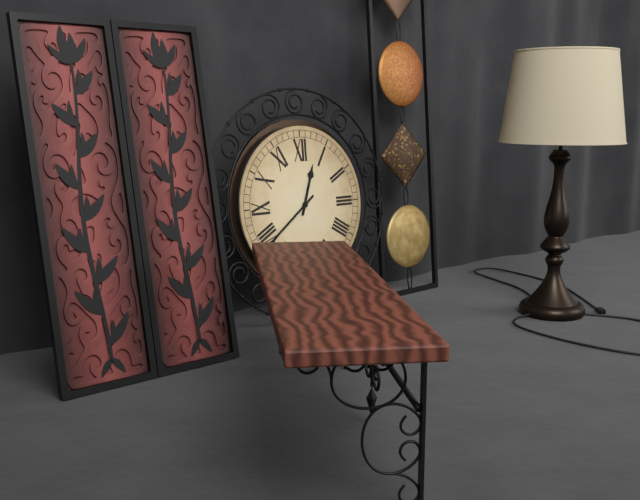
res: 12 h 39 min
